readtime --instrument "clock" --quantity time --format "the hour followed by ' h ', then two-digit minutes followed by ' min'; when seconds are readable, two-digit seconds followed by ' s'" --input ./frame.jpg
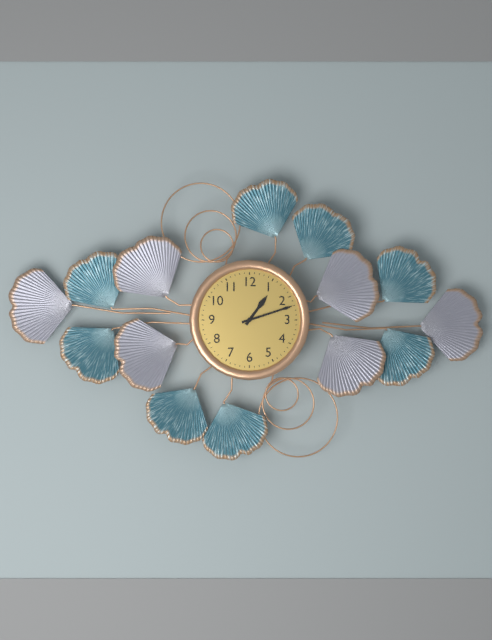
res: 1 h 12 min
